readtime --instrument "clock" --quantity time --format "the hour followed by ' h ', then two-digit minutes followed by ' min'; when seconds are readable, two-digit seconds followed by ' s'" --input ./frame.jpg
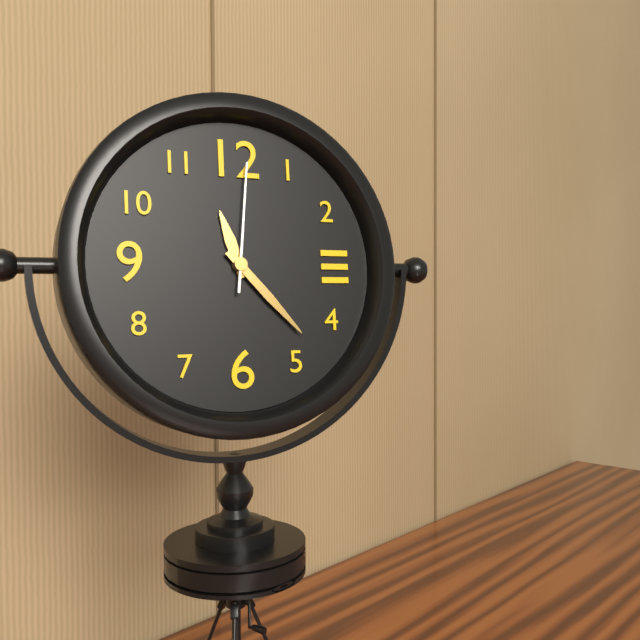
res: 11 h 23 min 01 s
